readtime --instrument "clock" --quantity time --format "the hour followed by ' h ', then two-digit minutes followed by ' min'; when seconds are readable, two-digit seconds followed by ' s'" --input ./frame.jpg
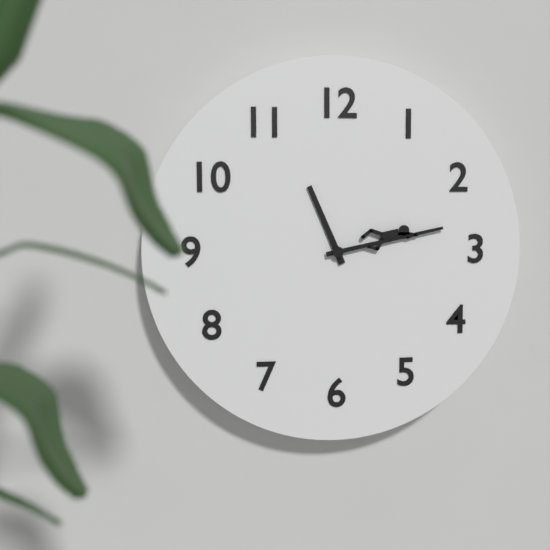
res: 11 h 13 min
